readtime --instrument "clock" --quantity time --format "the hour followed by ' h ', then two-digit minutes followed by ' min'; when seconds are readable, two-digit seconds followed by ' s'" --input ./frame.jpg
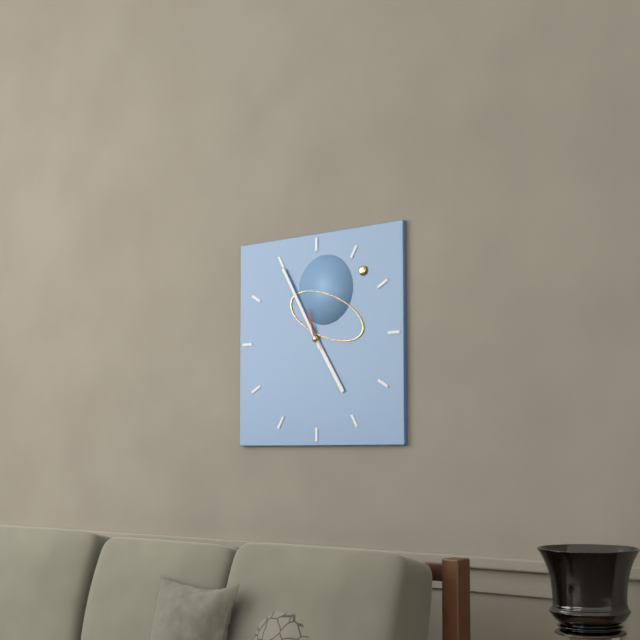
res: 4 h 55 min
